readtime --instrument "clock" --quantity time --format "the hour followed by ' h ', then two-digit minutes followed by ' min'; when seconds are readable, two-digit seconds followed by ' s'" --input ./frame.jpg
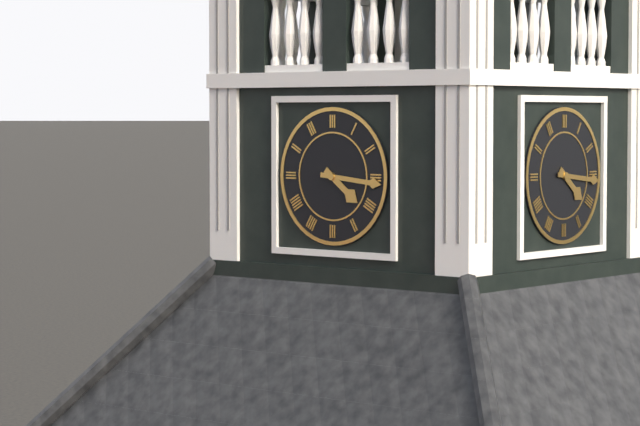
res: 4 h 16 min
